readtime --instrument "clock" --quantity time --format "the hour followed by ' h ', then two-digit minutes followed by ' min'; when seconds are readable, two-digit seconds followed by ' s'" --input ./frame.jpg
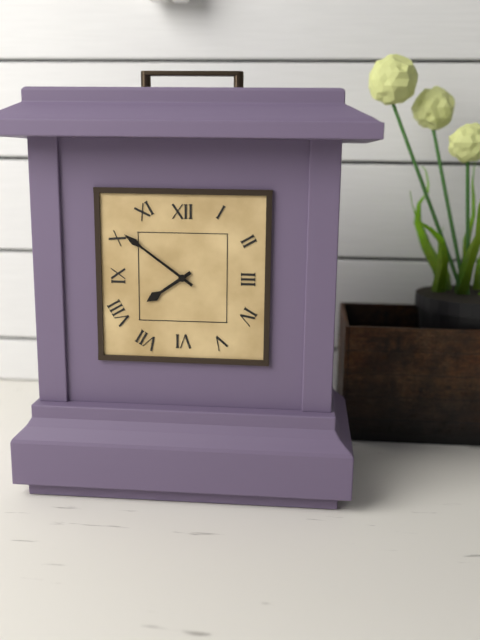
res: 7 h 51 min
